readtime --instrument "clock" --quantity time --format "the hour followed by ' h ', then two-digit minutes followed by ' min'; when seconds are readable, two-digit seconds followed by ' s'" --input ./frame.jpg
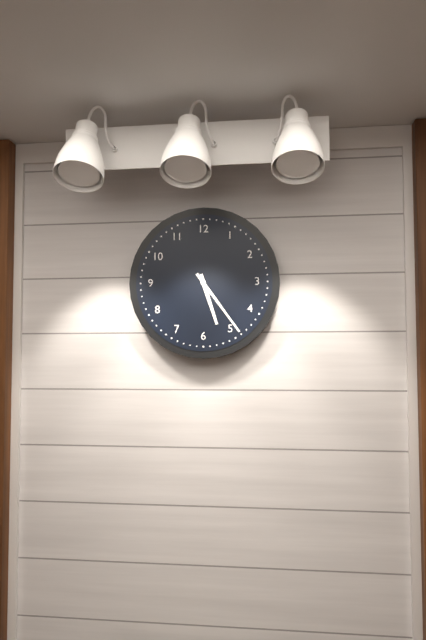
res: 5 h 24 min
